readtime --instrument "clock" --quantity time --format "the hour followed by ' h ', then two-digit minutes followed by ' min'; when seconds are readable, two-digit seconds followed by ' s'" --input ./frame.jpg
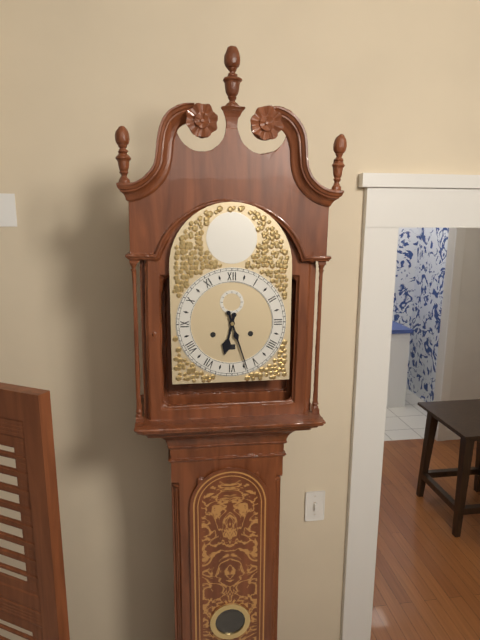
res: 6 h 27 min
